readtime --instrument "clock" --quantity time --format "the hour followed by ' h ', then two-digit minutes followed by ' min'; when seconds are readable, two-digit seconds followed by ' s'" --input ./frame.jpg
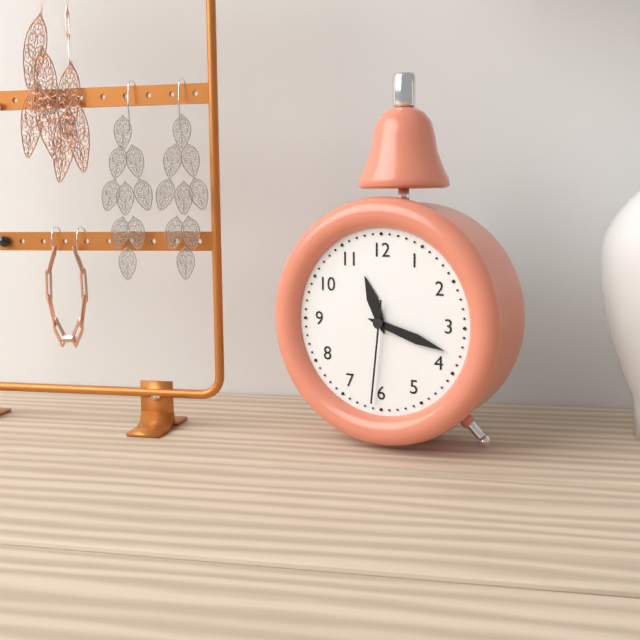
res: 11 h 18 min 31 s
